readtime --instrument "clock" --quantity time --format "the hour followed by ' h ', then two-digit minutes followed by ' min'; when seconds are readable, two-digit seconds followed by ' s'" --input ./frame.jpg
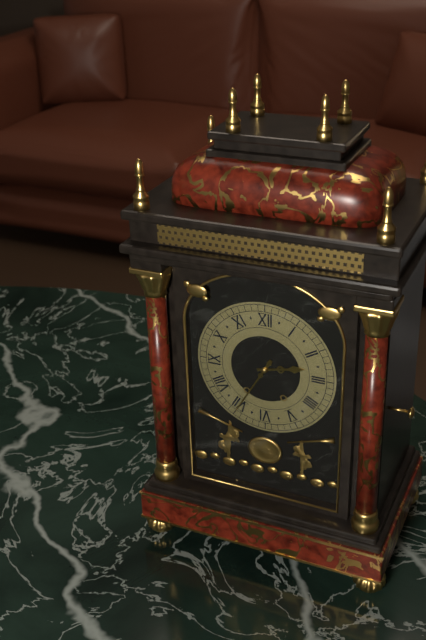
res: 2 h 35 min
